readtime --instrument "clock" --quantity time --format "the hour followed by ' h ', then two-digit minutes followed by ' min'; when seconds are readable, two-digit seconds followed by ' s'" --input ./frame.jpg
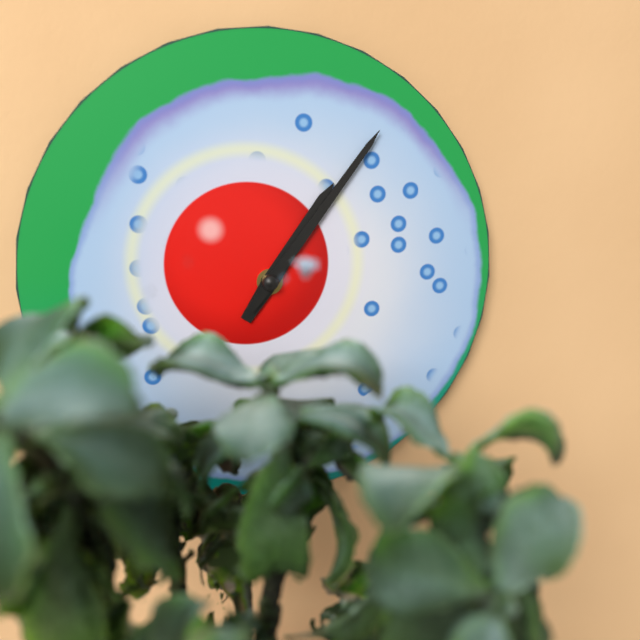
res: 1 h 06 min
